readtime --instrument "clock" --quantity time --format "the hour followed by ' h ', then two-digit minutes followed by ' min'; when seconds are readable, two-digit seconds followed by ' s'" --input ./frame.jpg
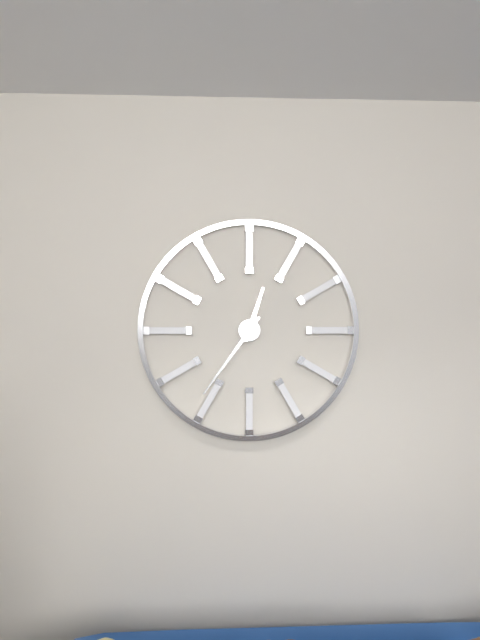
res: 12 h 36 min
